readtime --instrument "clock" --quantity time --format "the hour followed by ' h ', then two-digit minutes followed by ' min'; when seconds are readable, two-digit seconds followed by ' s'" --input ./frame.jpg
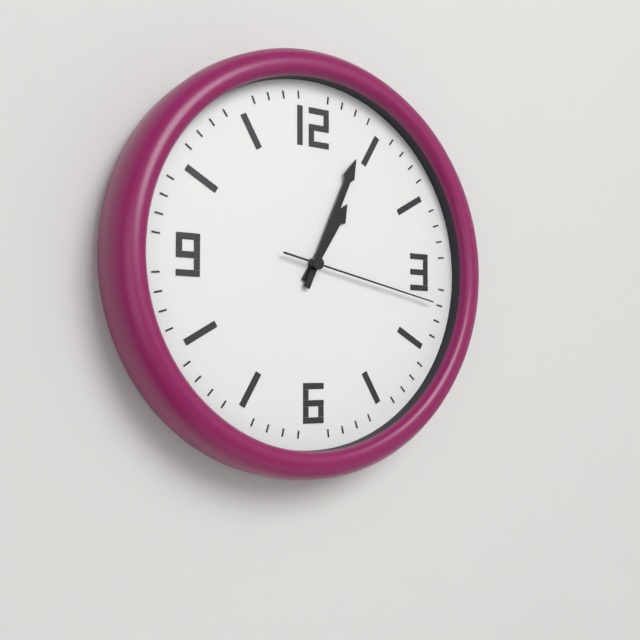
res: 1 h 04 min 17 s
